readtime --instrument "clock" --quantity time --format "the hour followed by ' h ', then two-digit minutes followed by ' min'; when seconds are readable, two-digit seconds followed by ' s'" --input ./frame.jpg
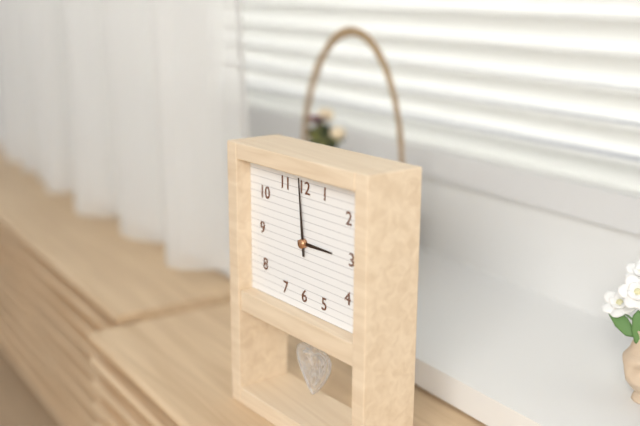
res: 2 h 59 min
